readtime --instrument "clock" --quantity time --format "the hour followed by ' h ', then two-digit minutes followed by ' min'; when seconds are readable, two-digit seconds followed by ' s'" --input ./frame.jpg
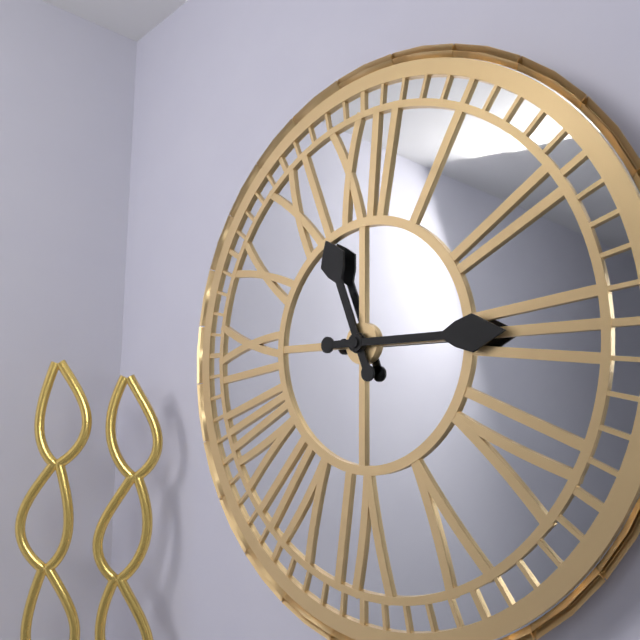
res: 11 h 15 min
